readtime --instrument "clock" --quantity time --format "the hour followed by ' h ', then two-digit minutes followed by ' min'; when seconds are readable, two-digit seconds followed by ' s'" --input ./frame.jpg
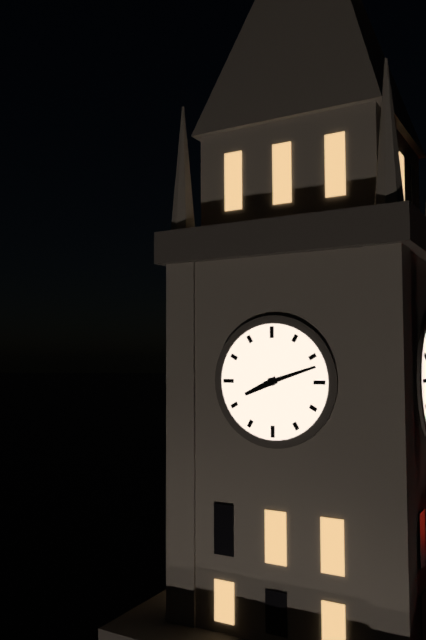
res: 8 h 12 min
